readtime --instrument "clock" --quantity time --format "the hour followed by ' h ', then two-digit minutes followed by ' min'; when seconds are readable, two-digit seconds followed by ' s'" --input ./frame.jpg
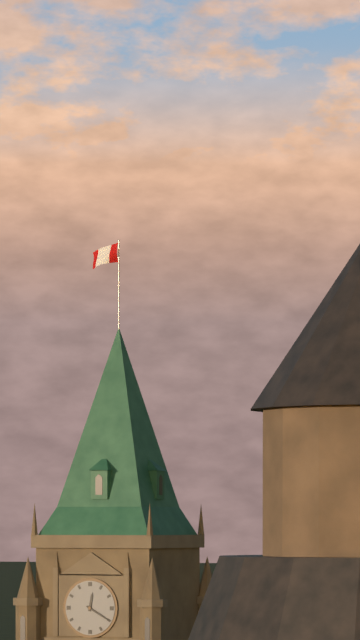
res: 12 h 20 min
